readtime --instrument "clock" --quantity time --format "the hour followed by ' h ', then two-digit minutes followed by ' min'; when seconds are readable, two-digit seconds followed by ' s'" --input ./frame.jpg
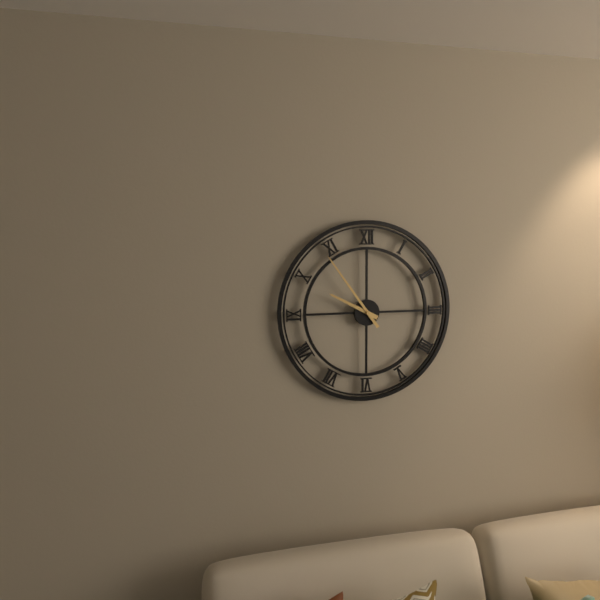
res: 9 h 54 min
